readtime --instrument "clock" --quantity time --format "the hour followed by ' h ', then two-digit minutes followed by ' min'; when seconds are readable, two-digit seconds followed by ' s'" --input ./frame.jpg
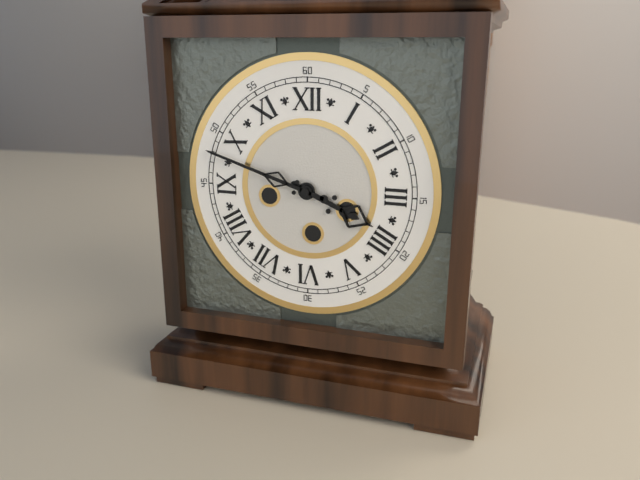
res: 3 h 48 min
